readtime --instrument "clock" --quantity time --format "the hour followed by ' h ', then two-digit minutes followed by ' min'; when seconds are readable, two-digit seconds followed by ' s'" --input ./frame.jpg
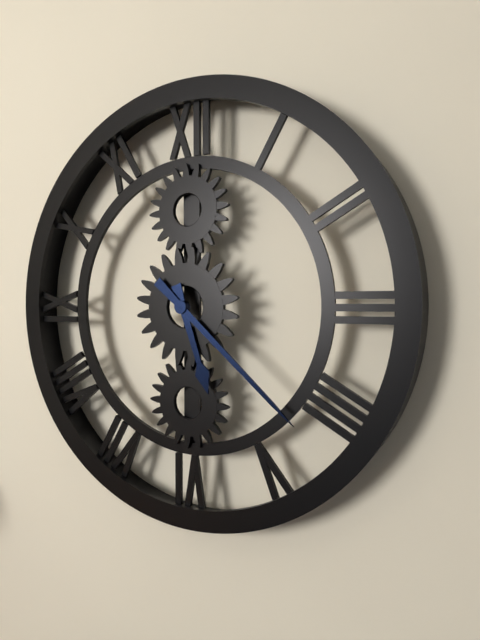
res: 5 h 22 min
